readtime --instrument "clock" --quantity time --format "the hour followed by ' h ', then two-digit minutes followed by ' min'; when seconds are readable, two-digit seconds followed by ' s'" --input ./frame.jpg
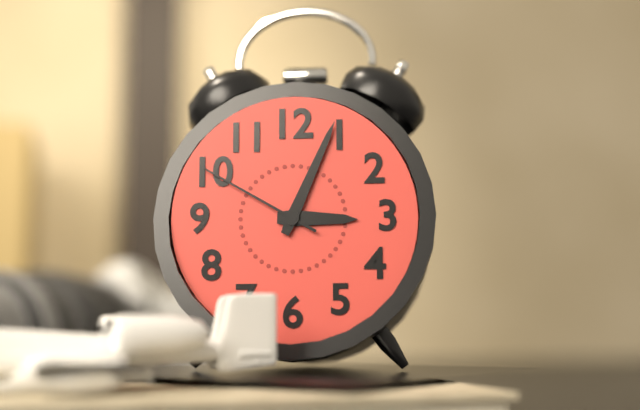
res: 3 h 04 min 50 s
